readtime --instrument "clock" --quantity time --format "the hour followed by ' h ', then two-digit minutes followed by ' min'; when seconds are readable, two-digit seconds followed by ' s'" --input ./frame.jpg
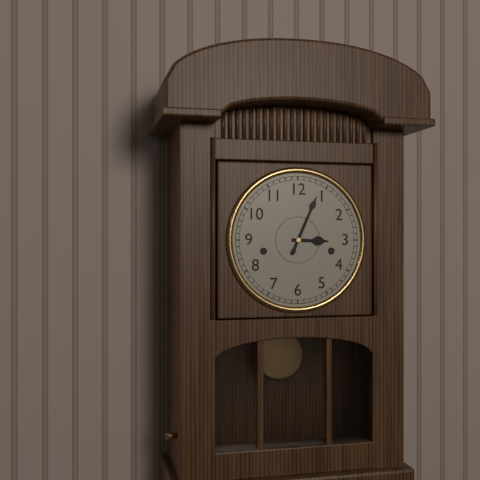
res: 3 h 04 min
